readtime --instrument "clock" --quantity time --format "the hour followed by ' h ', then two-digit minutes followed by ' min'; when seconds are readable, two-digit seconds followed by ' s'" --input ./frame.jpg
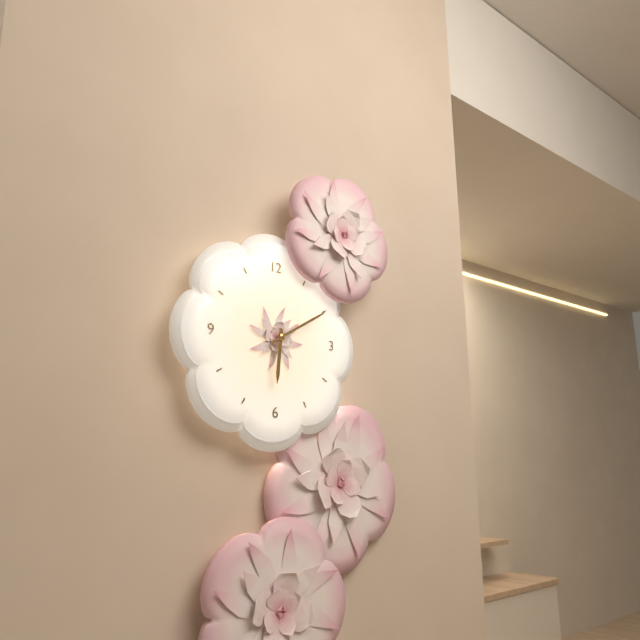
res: 6 h 10 min
